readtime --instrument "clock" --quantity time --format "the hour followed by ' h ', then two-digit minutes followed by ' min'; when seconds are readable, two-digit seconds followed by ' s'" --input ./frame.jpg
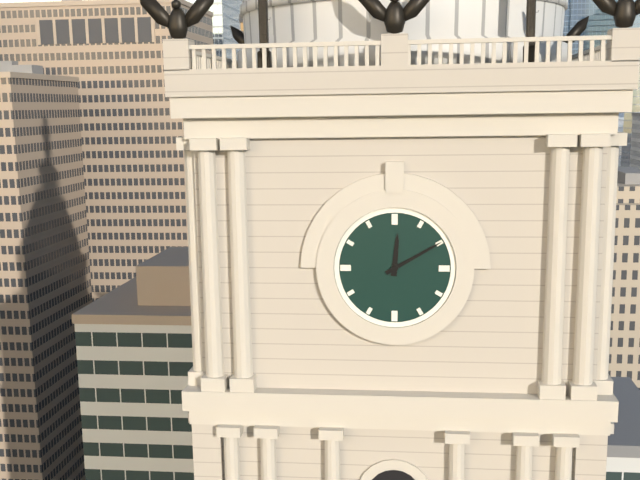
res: 12 h 10 min
